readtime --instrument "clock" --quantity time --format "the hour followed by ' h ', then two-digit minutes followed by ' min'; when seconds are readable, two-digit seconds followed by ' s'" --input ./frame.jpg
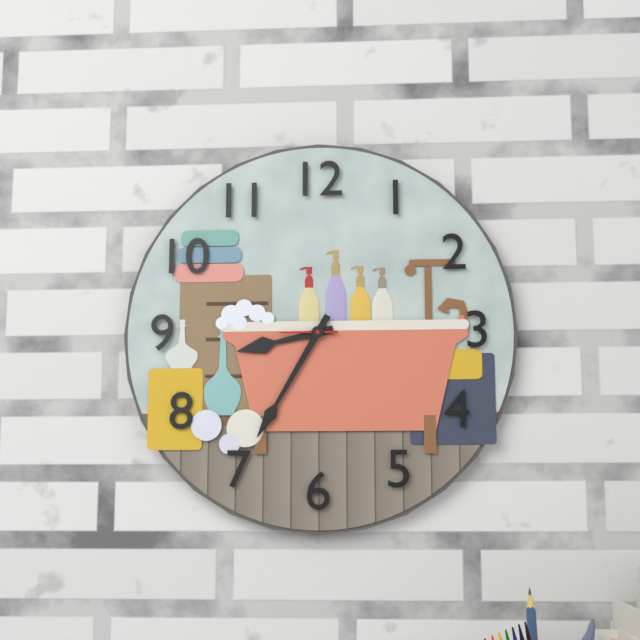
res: 8 h 35 min
